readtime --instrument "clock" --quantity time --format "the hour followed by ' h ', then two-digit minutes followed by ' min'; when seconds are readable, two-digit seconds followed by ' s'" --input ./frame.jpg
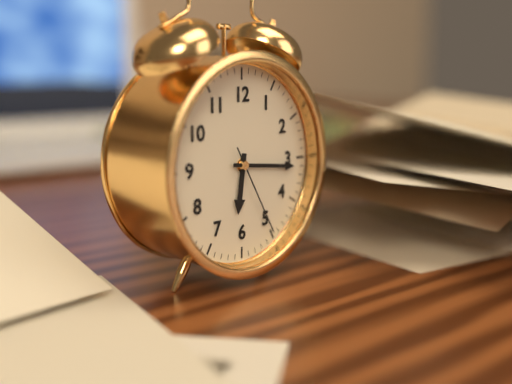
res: 6 h 16 min 25 s
